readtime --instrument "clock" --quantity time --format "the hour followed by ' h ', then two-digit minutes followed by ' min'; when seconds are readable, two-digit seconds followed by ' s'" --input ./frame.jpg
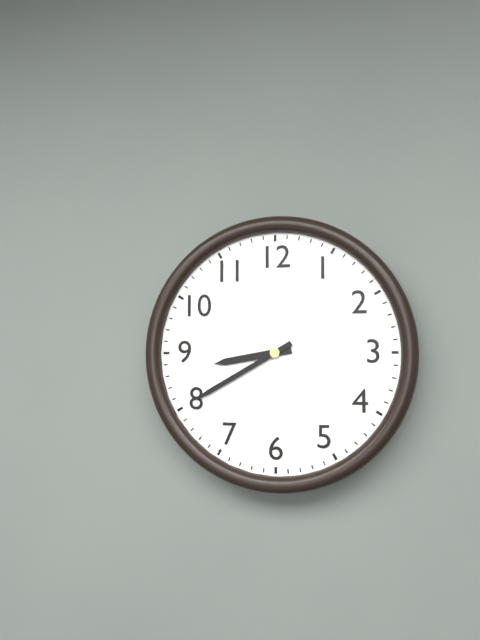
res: 8 h 40 min
